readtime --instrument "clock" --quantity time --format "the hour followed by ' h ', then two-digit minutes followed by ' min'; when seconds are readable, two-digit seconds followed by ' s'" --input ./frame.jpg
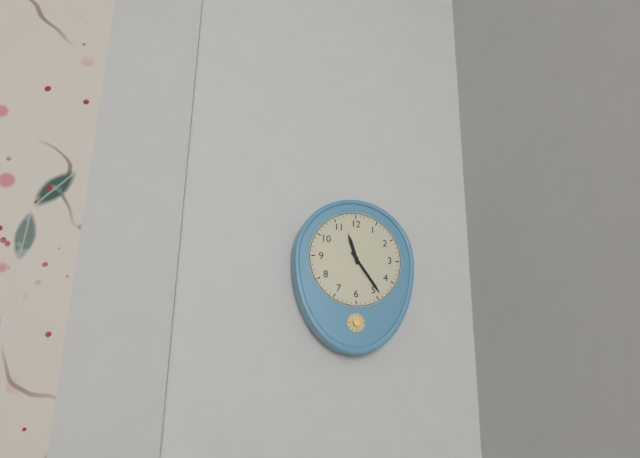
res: 11 h 24 min
